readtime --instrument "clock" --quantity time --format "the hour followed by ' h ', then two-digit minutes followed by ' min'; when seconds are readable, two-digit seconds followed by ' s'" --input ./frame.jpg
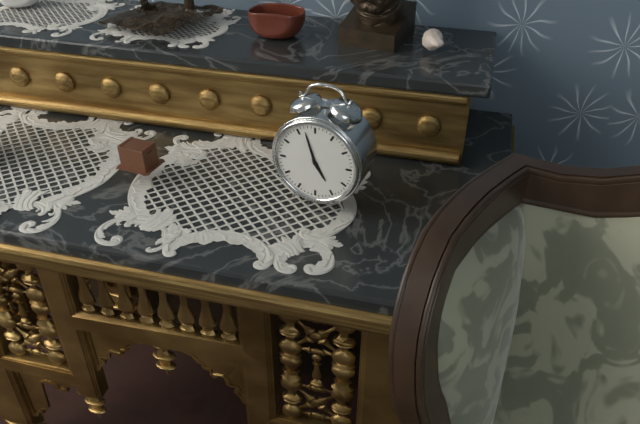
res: 4 h 57 min
